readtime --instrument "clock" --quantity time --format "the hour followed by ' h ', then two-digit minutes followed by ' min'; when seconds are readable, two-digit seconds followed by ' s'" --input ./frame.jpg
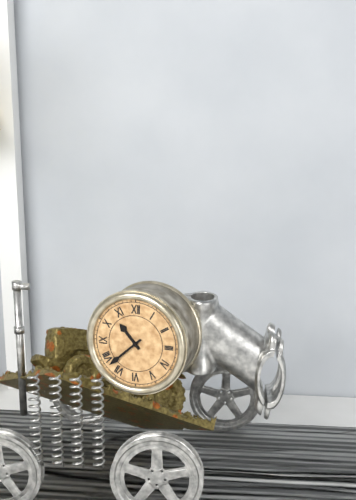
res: 10 h 38 min
